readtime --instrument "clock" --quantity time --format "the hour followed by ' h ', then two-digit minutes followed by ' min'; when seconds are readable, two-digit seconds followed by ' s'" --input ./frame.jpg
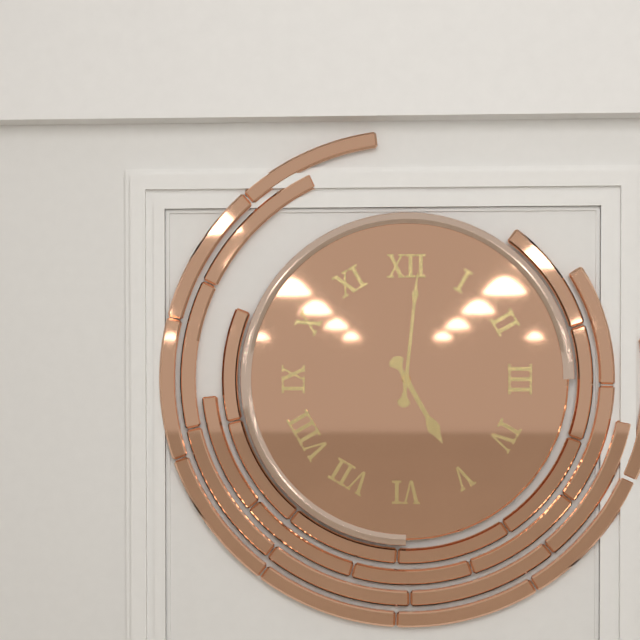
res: 5 h 01 min
